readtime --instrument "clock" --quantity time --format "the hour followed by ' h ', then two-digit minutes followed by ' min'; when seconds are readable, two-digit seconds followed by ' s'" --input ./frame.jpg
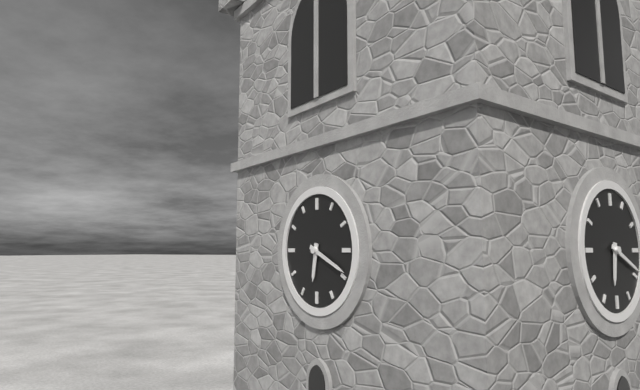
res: 6 h 19 min
